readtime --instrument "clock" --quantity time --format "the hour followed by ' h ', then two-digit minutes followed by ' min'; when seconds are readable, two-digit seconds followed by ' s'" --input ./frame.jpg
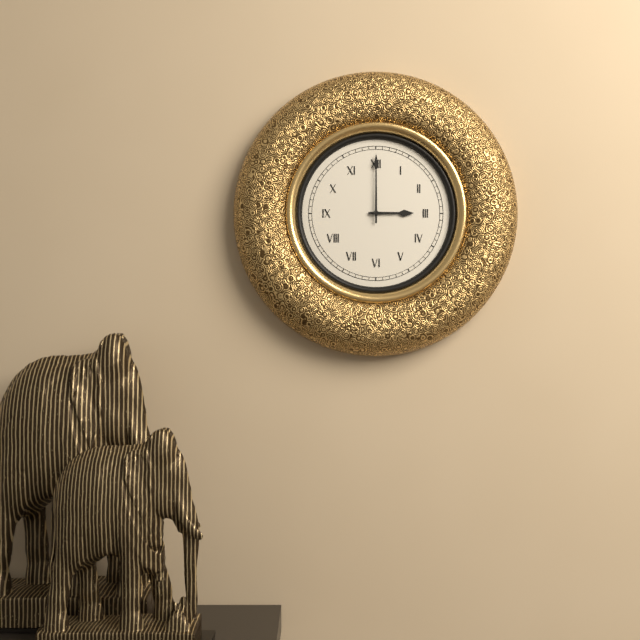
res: 3 h 00 min
